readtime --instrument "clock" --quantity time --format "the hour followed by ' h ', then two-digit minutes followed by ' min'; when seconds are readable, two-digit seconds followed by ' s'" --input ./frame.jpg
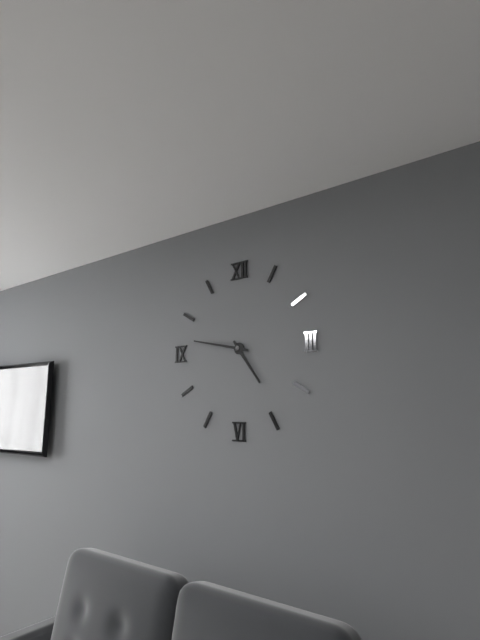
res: 4 h 47 min
